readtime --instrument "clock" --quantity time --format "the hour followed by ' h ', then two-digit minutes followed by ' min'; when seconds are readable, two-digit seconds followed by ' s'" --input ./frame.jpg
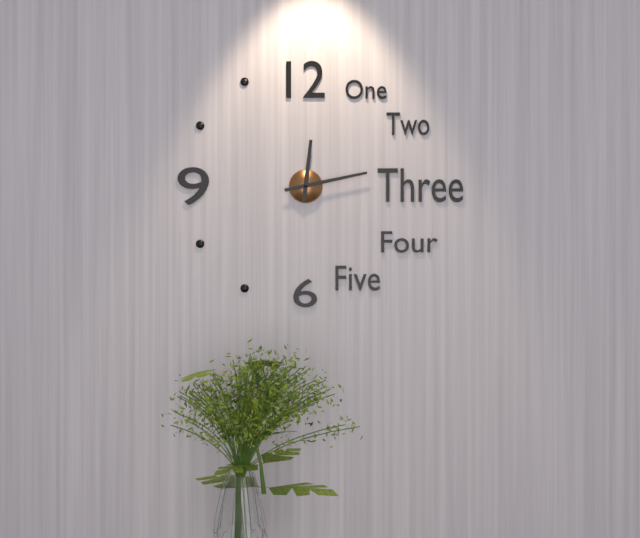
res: 12 h 13 min
